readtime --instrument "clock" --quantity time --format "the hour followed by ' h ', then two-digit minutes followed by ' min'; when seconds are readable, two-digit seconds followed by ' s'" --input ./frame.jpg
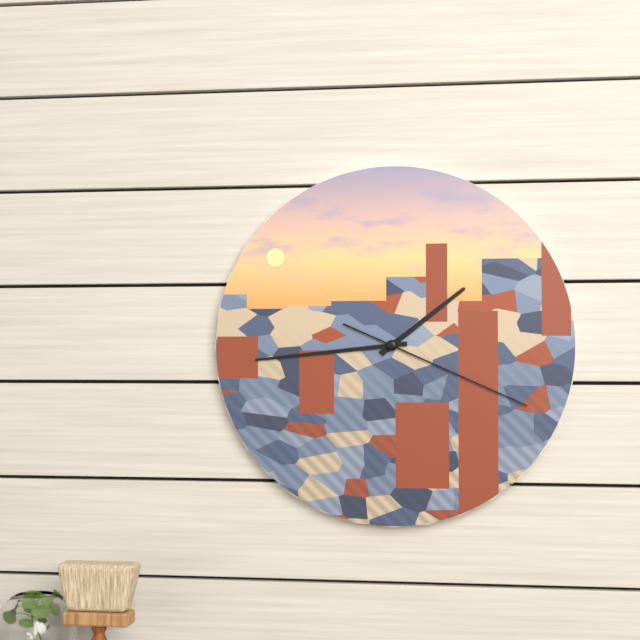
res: 1 h 44 min 19 s
